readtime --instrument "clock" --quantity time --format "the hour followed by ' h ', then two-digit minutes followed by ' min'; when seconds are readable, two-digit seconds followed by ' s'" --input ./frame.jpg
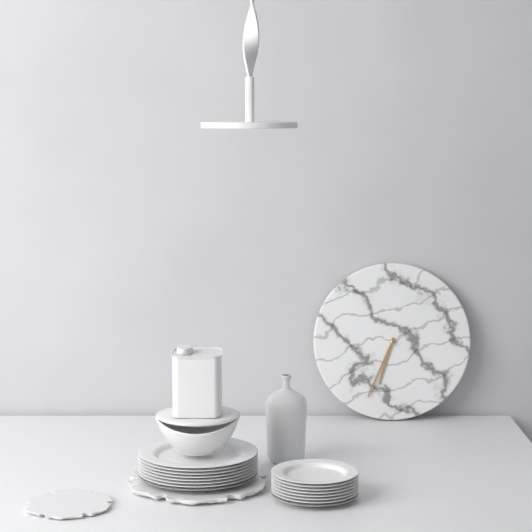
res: 6 h 34 min
